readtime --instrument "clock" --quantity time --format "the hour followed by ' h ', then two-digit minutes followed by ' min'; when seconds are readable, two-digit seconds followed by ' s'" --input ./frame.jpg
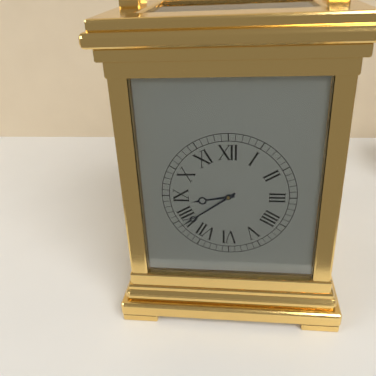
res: 8 h 39 min
